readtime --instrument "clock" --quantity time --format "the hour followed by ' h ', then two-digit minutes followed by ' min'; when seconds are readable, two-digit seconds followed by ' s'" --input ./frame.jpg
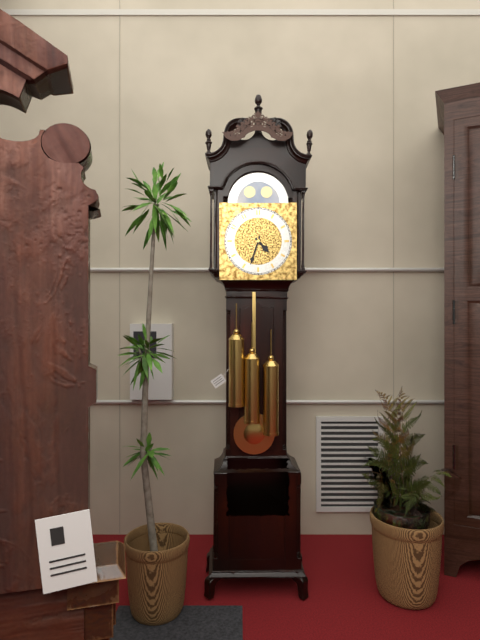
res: 4 h 33 min
